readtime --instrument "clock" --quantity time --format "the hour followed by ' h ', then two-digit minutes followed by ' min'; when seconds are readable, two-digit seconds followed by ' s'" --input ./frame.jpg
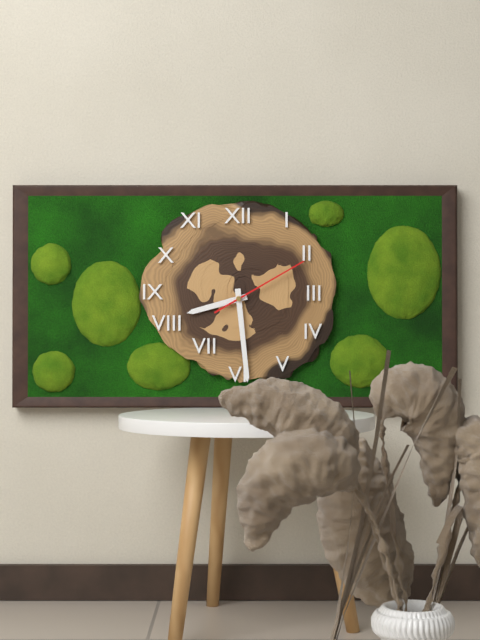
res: 8 h 29 min 10 s
